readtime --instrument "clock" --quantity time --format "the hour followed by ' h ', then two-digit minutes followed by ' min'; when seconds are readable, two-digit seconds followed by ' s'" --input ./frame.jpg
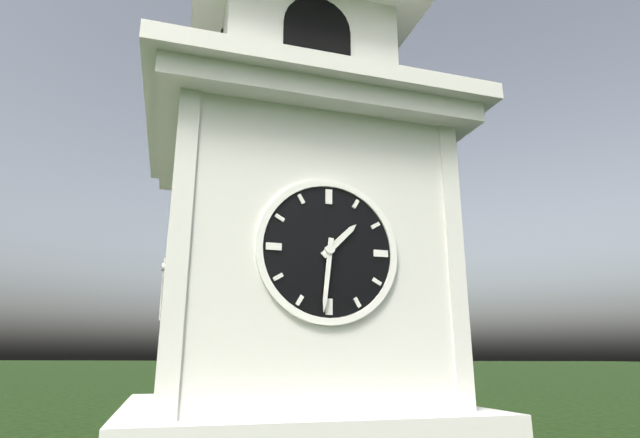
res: 1 h 31 min
